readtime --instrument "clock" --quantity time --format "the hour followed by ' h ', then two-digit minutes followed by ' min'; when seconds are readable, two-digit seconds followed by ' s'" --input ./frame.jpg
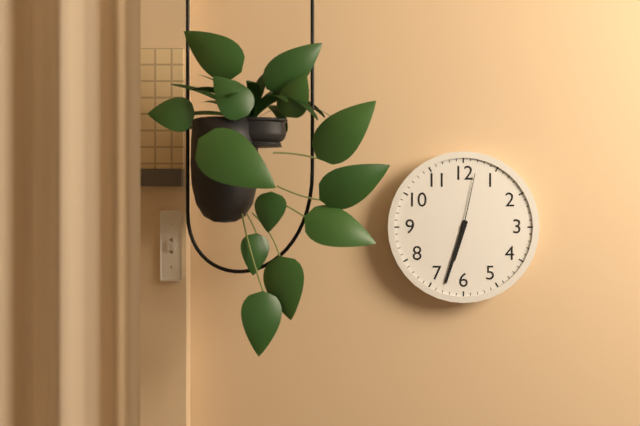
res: 6 h 33 min 02 s
